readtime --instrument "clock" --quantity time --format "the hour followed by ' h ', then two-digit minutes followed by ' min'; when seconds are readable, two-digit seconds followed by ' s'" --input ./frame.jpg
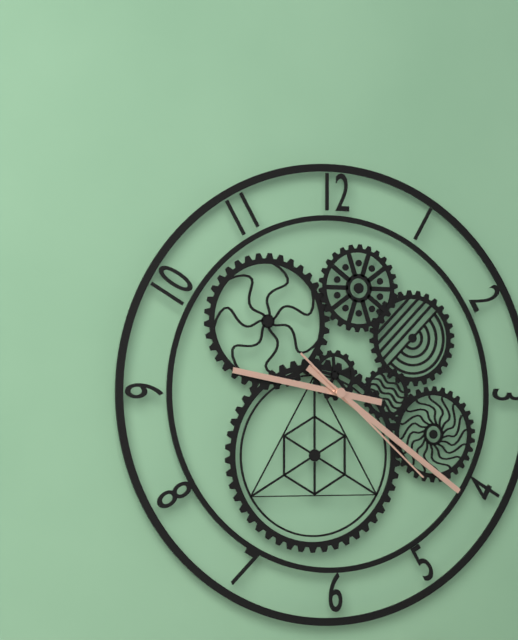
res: 9 h 21 min 22 s
